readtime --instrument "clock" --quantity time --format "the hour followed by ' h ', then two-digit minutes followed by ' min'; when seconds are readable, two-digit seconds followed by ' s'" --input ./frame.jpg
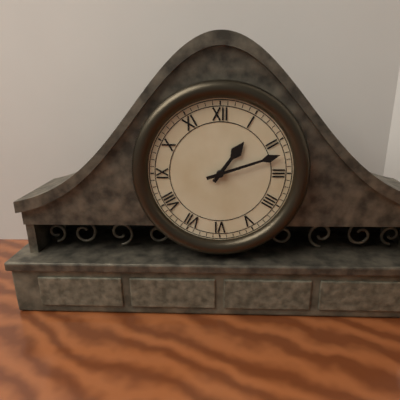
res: 1 h 12 min
